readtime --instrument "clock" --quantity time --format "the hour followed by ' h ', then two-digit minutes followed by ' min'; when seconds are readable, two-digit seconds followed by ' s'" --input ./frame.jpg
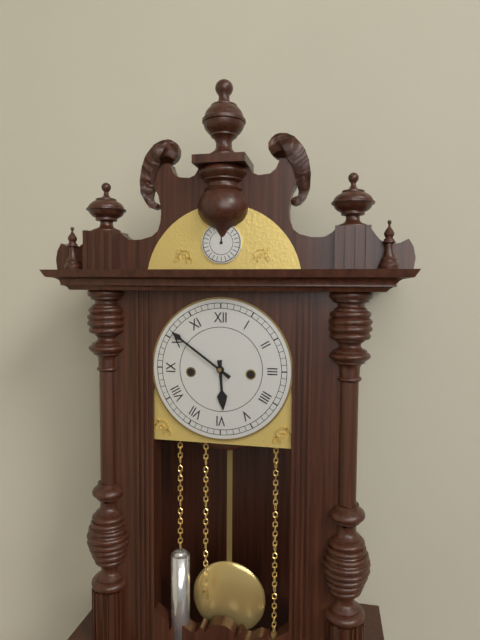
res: 5 h 51 min
